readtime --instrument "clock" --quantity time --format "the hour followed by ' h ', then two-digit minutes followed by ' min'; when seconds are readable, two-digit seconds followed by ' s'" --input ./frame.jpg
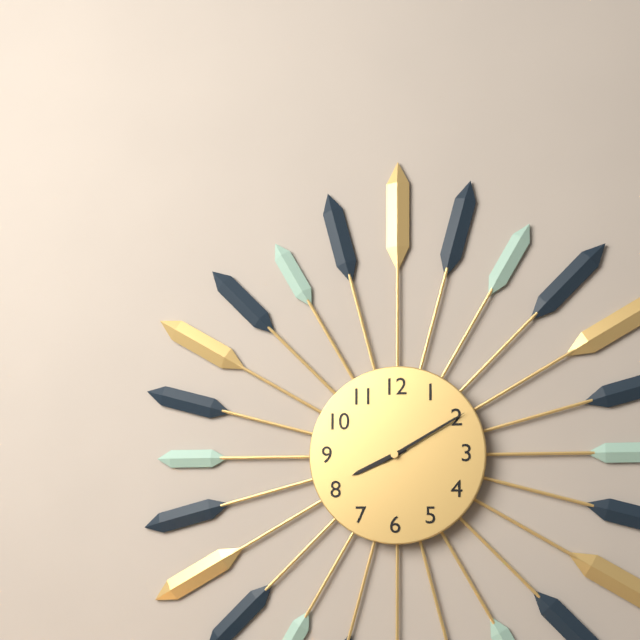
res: 8 h 10 min
